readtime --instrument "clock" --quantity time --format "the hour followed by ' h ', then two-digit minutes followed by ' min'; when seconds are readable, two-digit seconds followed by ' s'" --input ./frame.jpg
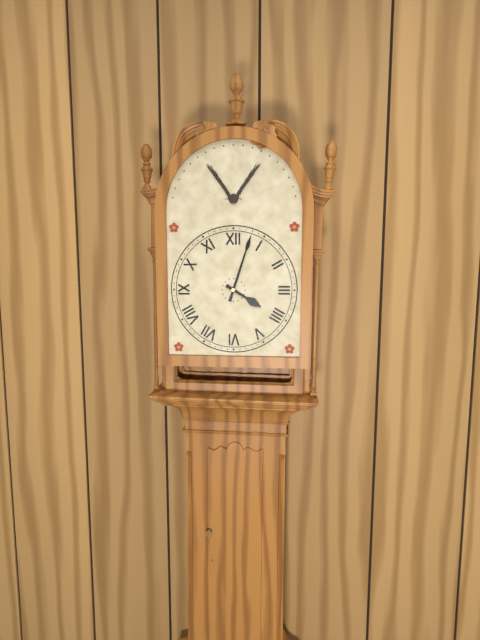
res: 4 h 03 min
